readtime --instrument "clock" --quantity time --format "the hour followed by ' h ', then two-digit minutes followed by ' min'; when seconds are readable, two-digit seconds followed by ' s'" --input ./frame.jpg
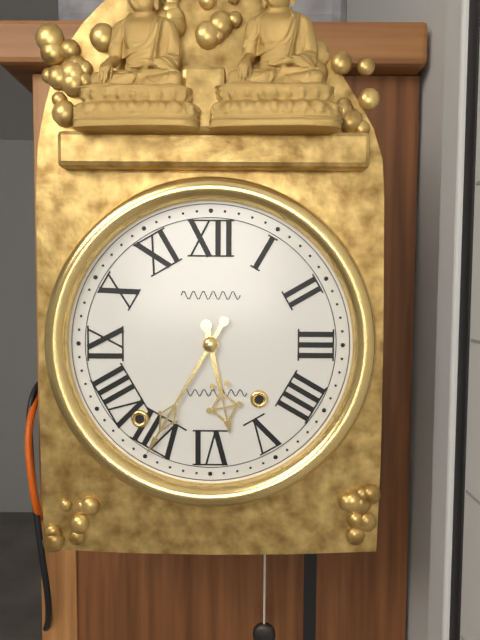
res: 5 h 35 min
